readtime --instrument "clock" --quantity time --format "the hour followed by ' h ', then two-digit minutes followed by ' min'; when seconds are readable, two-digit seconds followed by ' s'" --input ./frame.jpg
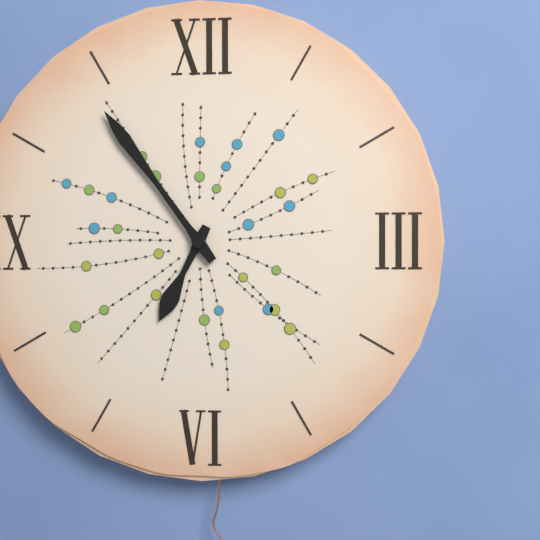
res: 6 h 54 min
